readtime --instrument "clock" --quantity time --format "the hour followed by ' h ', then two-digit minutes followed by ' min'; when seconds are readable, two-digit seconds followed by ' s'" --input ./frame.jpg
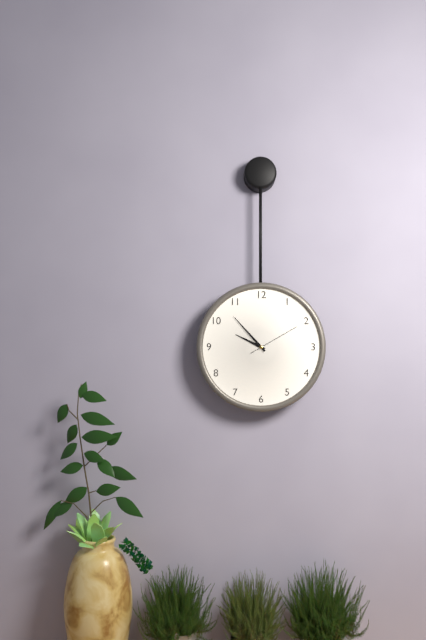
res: 9 h 53 min 10 s
